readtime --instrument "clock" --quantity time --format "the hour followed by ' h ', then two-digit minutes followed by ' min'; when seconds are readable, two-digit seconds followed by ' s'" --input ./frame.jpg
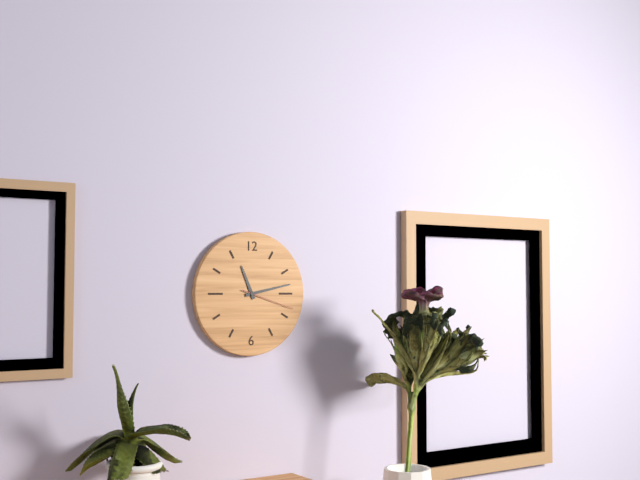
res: 11 h 13 min 18 s
